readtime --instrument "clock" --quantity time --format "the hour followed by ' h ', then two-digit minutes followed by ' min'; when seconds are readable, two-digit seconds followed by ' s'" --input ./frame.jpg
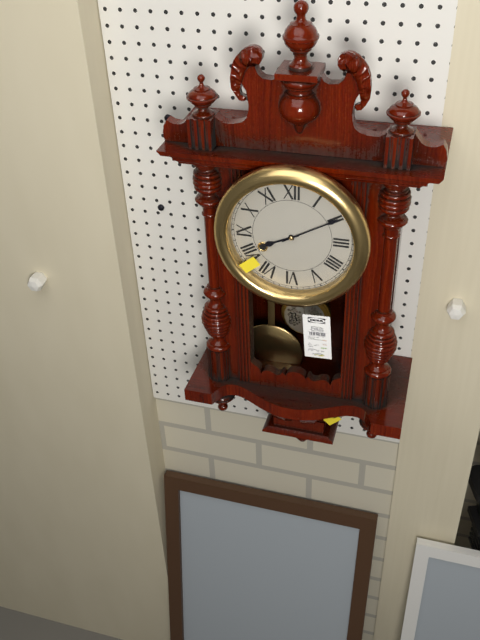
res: 8 h 10 min
